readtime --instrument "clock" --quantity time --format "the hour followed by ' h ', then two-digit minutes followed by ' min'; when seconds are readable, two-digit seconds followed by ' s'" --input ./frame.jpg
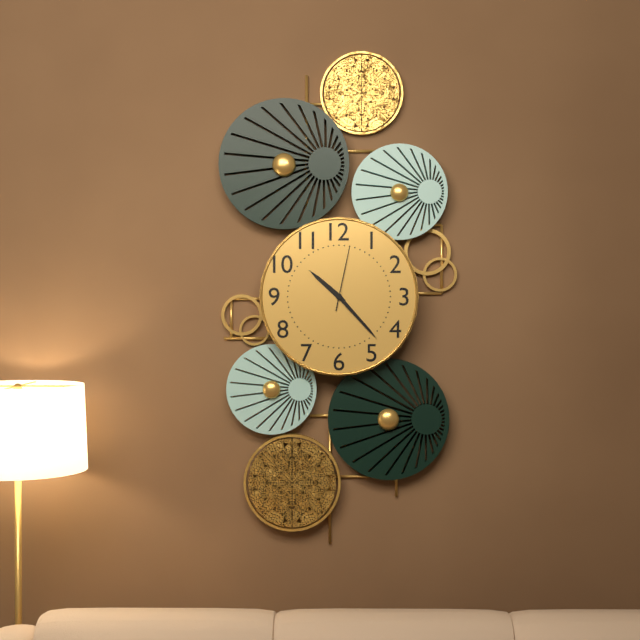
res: 10 h 23 min 02 s
